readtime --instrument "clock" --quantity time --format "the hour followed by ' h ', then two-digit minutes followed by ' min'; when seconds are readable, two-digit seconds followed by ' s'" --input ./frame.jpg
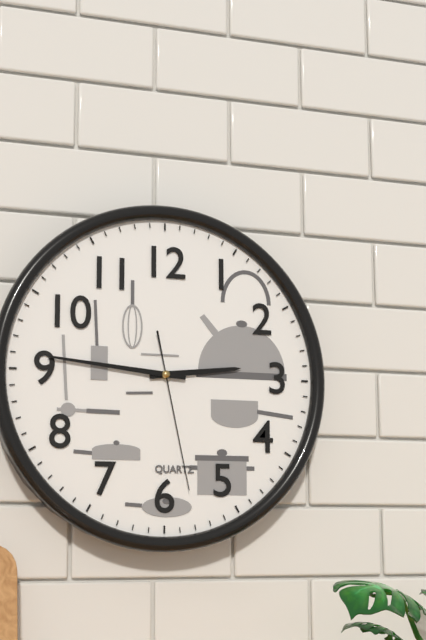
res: 2 h 46 min 28 s
